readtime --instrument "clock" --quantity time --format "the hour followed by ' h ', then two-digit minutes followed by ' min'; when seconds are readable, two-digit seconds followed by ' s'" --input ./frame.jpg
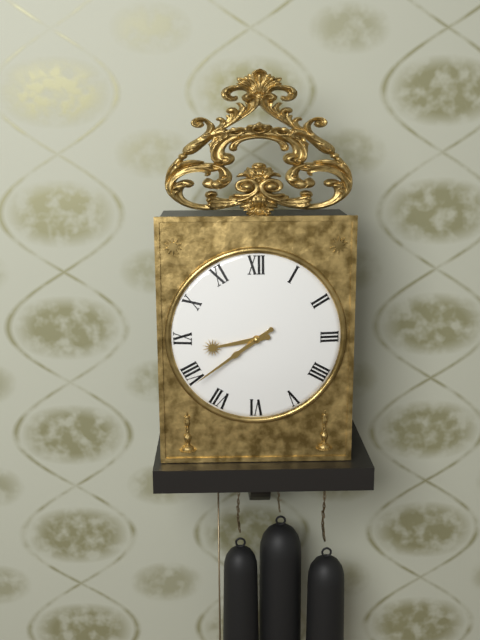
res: 8 h 39 min
